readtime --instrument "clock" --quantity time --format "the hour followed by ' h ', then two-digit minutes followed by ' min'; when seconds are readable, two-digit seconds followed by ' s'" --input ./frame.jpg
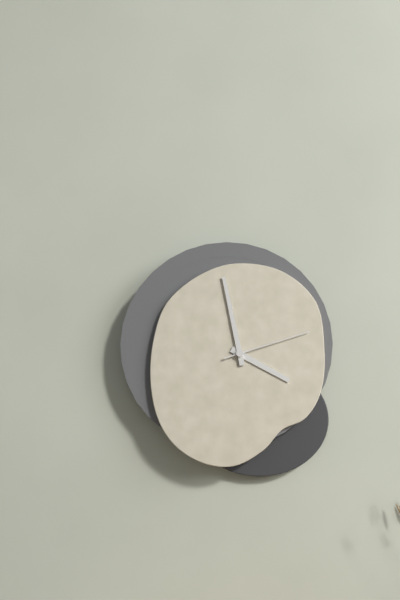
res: 3 h 58 min 12 s
